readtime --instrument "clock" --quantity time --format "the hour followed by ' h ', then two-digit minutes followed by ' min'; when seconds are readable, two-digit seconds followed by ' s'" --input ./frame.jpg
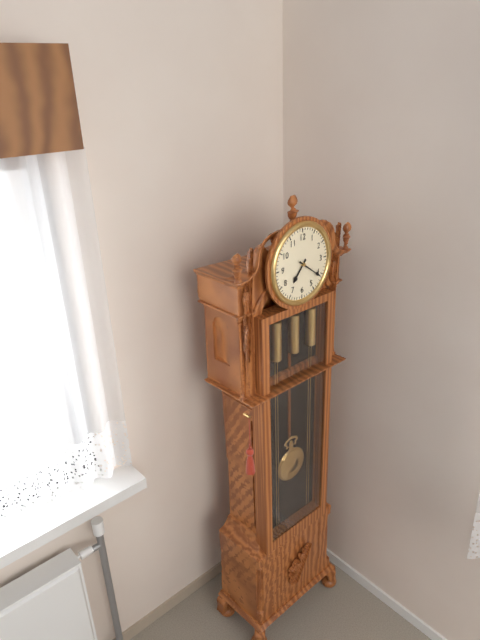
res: 7 h 21 min
